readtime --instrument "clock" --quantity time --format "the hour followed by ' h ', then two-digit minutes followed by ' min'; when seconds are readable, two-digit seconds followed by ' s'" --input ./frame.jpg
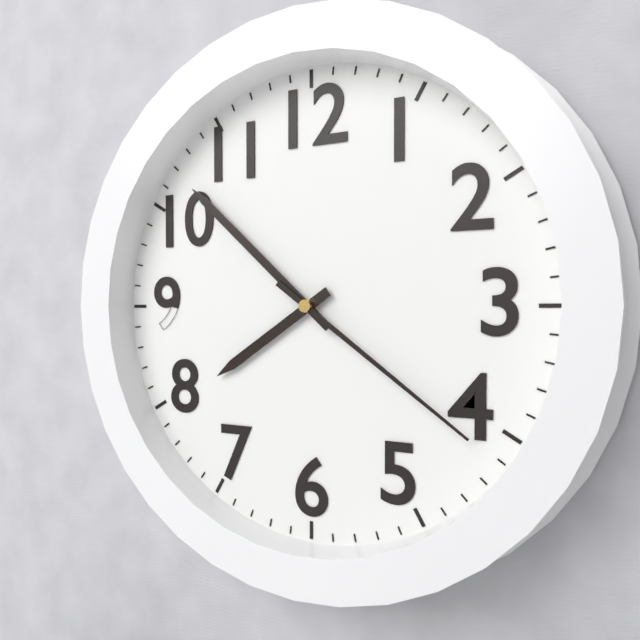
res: 7 h 52 min 21 s
